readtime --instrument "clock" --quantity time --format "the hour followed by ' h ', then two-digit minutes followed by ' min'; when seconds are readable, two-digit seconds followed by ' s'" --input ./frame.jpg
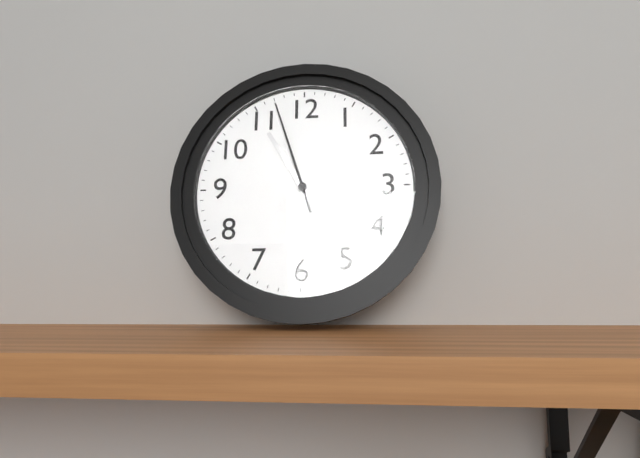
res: 10 h 57 min
